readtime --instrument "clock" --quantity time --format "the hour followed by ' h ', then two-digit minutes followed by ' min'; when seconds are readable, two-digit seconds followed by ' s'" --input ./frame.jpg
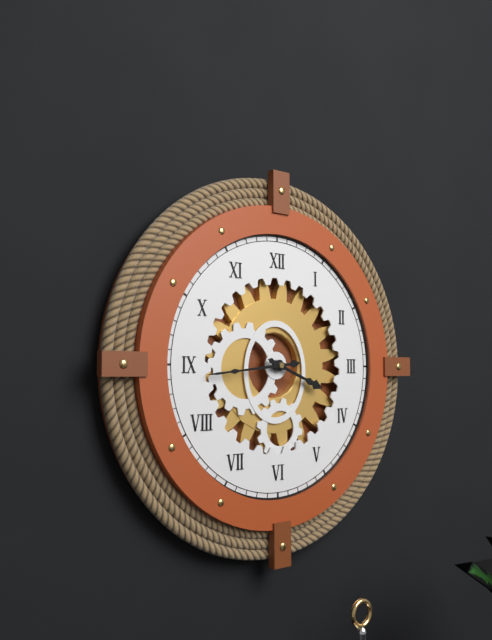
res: 3 h 44 min
